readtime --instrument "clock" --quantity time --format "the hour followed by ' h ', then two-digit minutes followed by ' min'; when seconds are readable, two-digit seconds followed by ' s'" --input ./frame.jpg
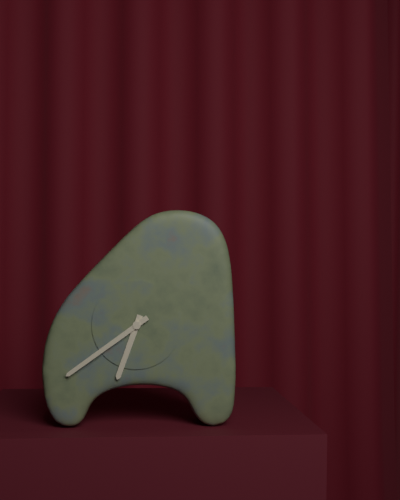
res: 6 h 39 min
